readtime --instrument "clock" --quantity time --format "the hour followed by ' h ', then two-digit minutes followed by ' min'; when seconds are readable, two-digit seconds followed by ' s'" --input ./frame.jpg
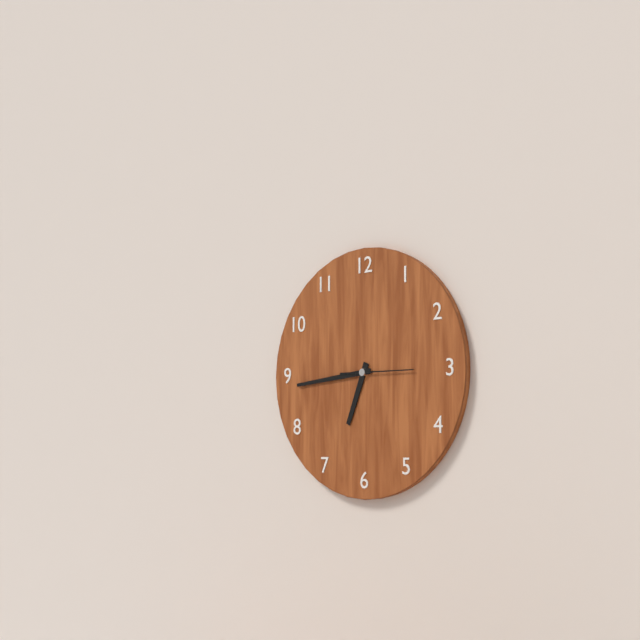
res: 6 h 44 min 15 s
